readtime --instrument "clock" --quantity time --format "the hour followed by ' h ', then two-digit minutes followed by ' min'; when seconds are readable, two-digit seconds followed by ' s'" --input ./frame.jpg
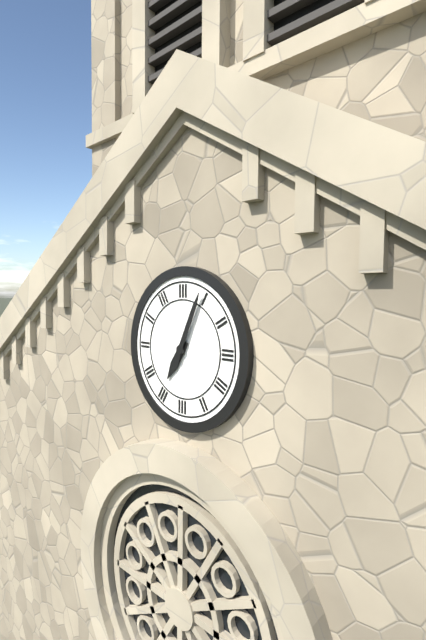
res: 7 h 04 min
